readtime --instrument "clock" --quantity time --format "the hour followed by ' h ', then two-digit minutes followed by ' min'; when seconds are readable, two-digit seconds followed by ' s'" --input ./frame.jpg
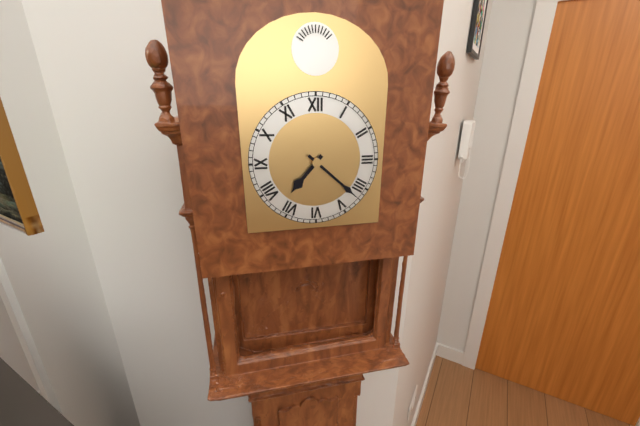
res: 7 h 22 min
